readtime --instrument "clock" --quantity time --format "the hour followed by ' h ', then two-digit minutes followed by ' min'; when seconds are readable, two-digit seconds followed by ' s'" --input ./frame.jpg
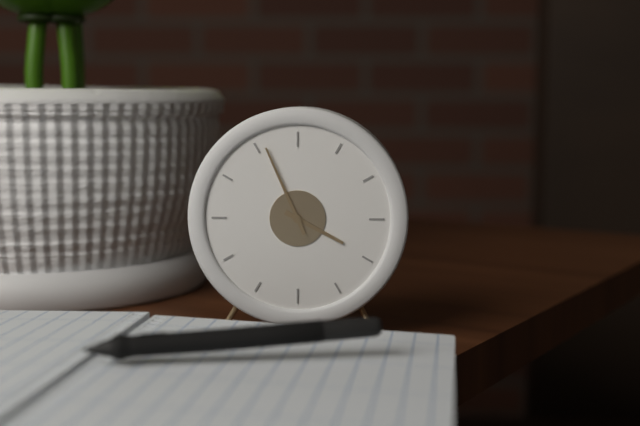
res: 3 h 56 min
